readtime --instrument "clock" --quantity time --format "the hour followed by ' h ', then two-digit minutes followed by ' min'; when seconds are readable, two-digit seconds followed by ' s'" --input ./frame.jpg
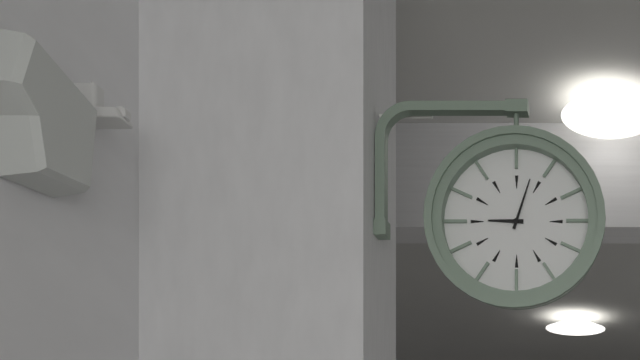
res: 9 h 03 min
